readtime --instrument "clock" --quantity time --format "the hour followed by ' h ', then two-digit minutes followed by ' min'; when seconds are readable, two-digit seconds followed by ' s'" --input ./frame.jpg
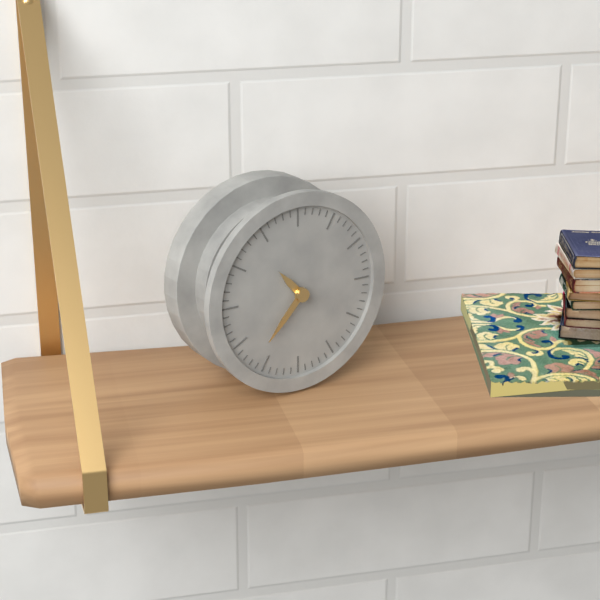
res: 10 h 37 min
